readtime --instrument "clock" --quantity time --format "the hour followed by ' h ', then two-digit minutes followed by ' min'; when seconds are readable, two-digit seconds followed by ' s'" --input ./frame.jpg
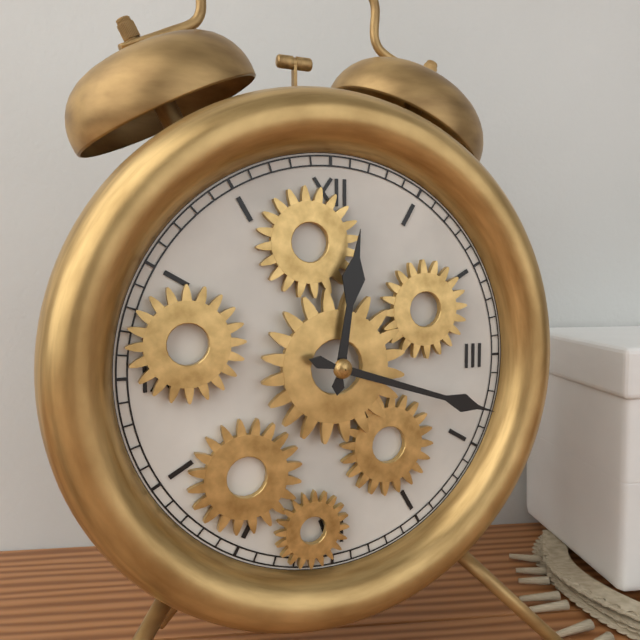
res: 12 h 18 min
